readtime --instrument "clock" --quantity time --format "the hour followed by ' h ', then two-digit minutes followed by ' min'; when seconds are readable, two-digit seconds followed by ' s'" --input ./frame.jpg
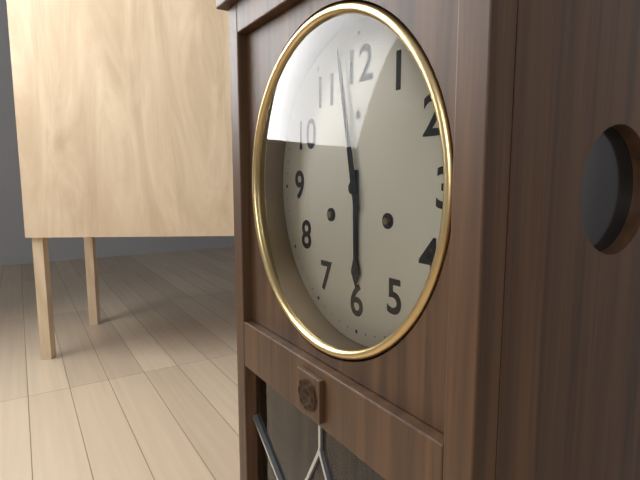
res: 5 h 58 min
